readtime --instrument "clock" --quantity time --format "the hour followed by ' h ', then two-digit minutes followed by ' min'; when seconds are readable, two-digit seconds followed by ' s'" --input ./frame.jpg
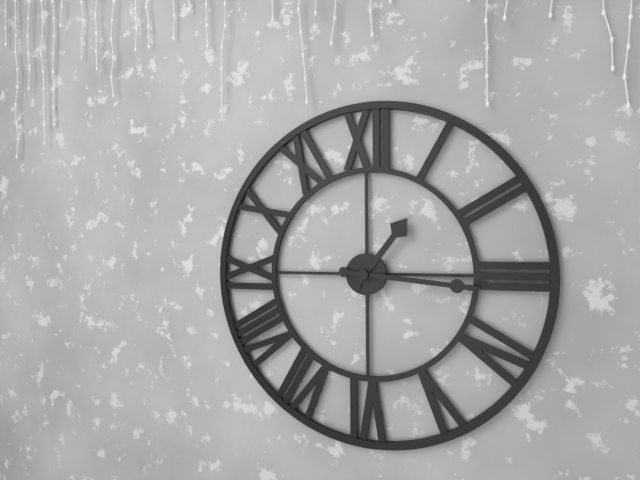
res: 1 h 16 min
